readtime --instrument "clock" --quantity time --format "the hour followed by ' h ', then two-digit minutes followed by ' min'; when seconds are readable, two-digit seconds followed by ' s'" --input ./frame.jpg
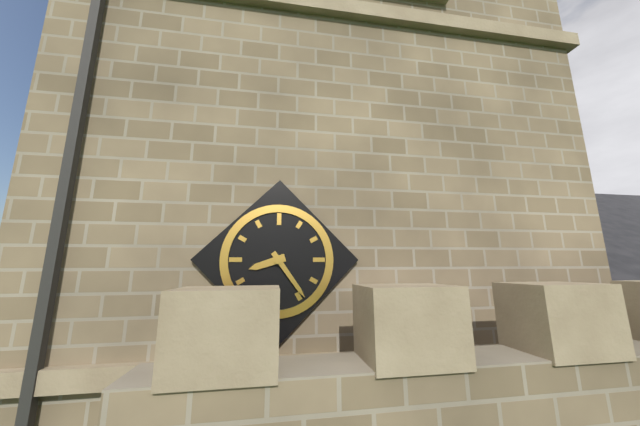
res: 8 h 24 min
